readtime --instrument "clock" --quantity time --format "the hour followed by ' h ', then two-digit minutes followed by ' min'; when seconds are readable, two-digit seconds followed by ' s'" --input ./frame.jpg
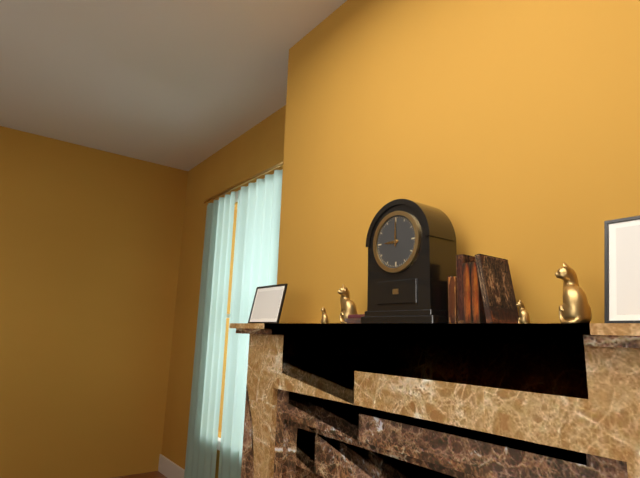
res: 9 h 00 min
